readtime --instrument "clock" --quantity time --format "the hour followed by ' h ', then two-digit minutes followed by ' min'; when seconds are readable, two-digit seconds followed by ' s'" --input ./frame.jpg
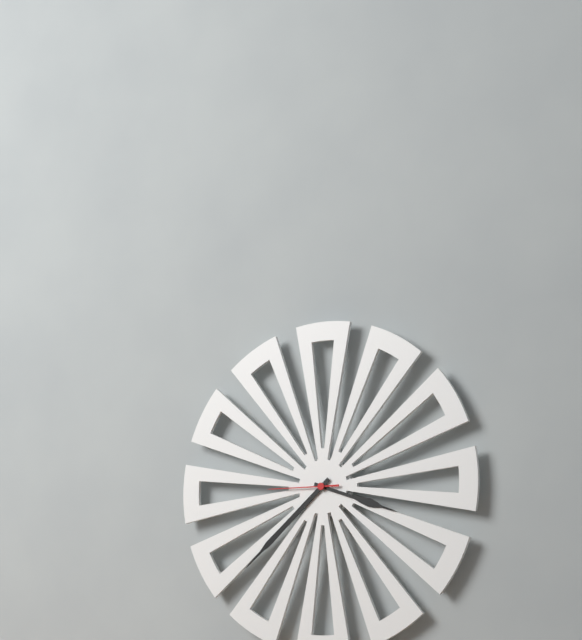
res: 3 h 38 min 45 s
